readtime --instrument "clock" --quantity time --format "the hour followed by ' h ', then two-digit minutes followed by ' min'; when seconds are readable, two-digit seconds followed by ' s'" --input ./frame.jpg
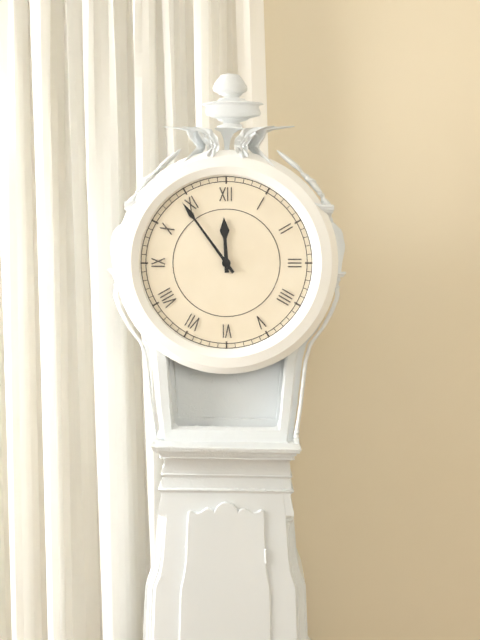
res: 11 h 54 min
